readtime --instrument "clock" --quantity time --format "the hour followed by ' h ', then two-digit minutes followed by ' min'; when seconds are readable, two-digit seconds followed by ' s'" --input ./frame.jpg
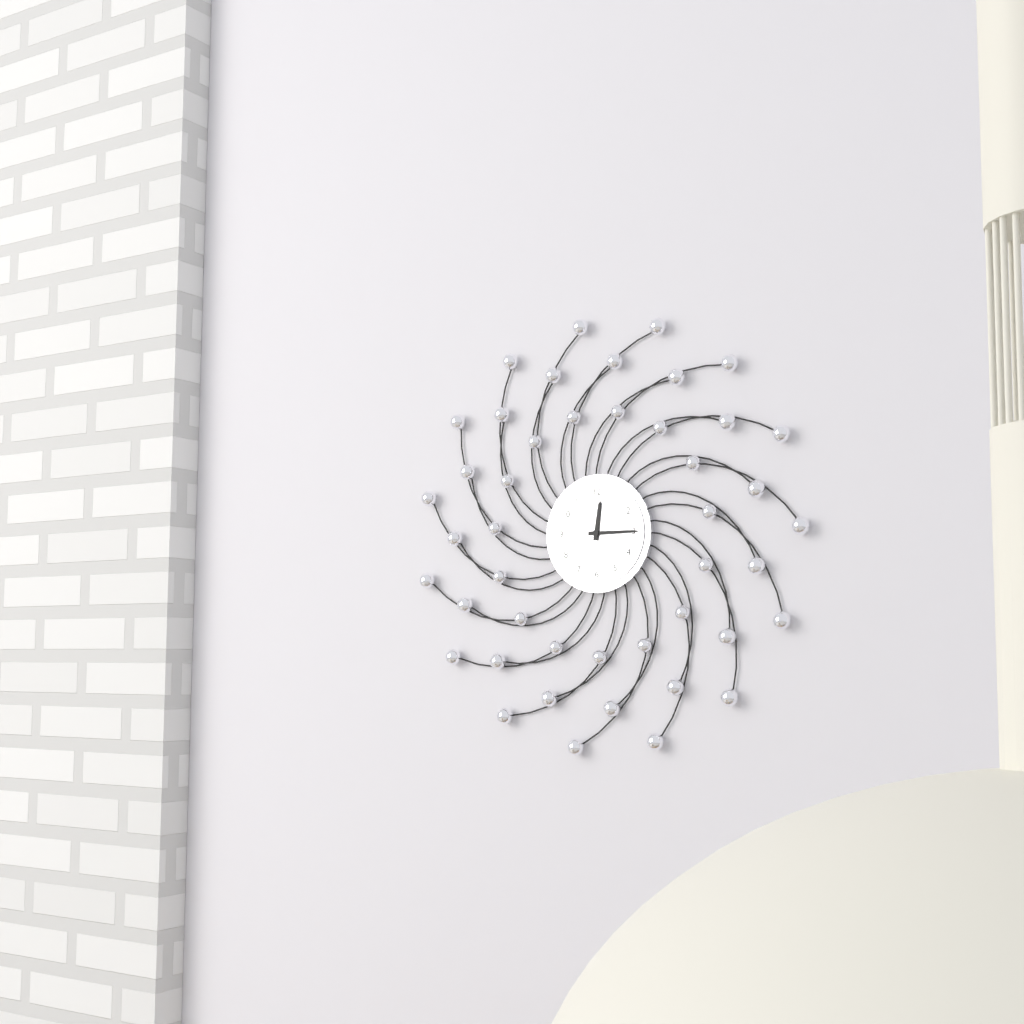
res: 12 h 15 min
